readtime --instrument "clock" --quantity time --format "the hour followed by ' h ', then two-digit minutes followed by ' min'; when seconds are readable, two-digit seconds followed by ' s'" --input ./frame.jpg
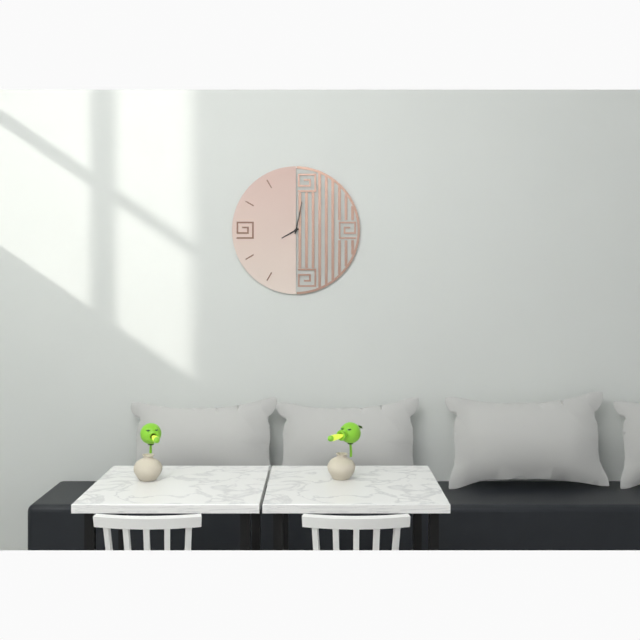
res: 8 h 02 min
